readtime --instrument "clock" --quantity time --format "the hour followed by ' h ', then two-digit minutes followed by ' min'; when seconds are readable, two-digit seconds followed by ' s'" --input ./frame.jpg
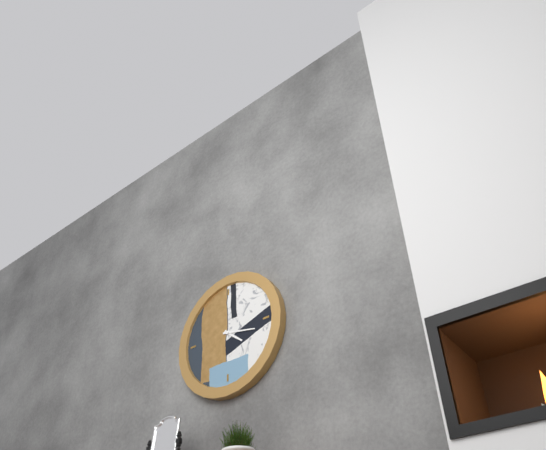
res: 4 h 17 min
